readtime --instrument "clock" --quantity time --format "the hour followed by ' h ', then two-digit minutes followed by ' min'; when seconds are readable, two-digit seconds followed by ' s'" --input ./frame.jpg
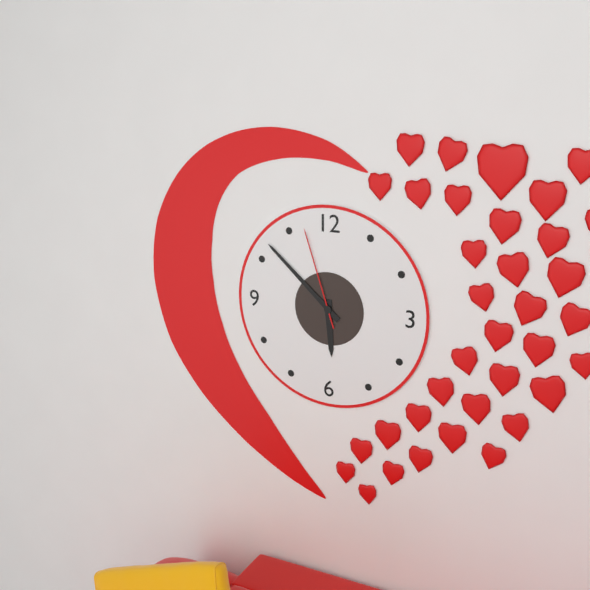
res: 5 h 52 min 57 s
